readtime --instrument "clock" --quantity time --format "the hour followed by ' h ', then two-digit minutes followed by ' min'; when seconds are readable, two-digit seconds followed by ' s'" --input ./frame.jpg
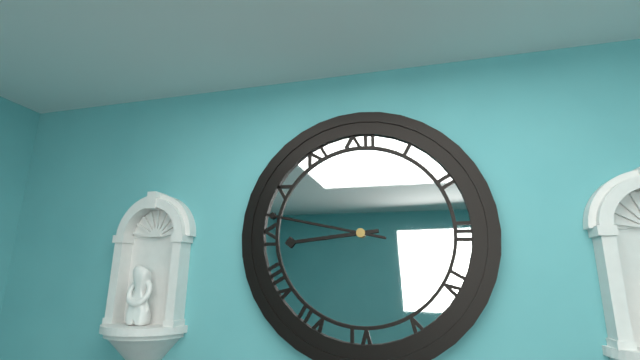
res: 8 h 47 min
